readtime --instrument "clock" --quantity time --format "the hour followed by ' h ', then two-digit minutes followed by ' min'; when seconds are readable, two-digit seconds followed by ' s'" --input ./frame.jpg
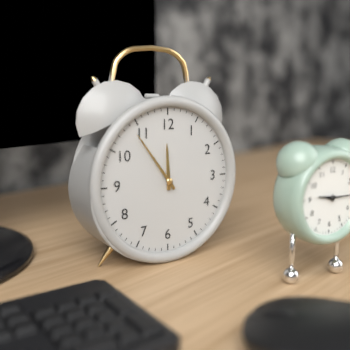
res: 11 h 54 min
